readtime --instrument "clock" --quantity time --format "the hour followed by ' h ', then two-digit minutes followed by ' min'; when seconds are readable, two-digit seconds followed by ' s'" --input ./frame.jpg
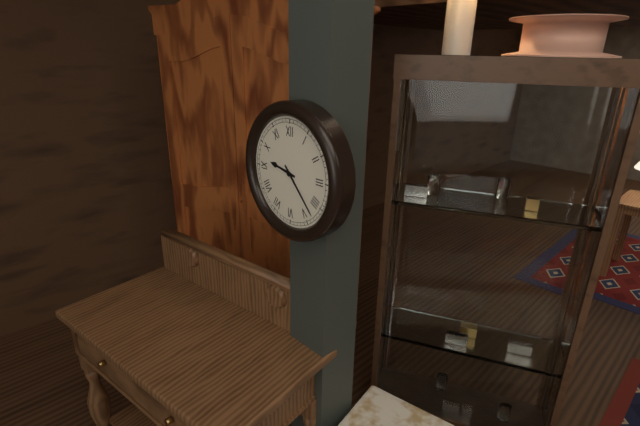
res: 9 h 23 min
